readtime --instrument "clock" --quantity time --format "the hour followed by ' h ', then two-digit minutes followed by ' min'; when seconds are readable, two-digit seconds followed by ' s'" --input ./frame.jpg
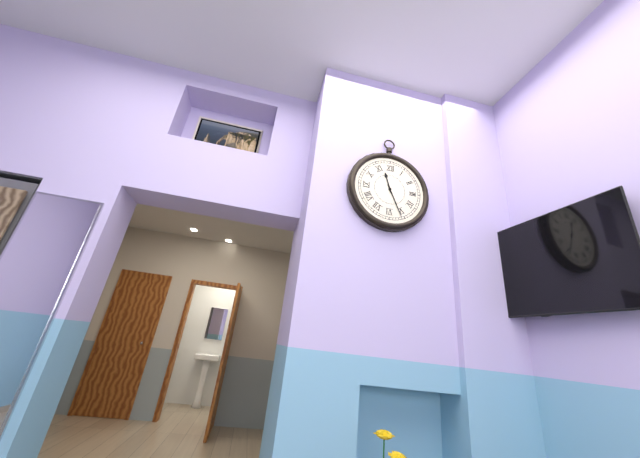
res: 11 h 26 min
